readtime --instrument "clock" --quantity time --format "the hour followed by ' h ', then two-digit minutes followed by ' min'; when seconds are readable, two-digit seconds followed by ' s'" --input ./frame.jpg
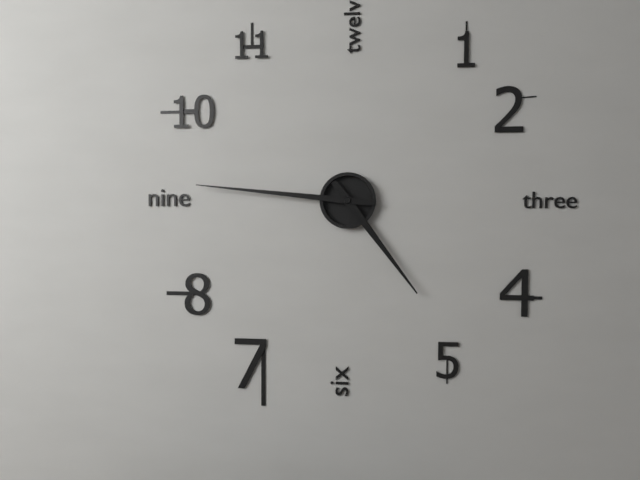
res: 4 h 46 min
